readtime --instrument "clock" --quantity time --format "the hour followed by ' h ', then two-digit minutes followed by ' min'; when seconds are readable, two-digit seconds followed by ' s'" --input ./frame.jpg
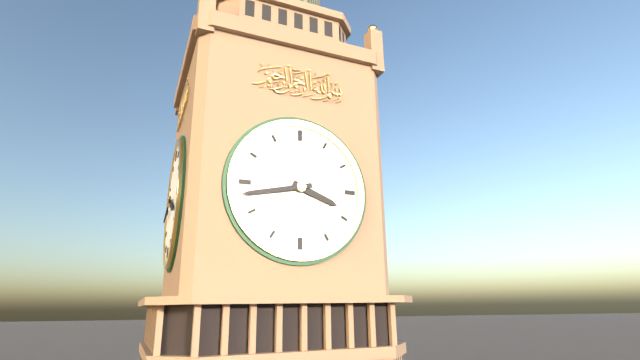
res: 3 h 43 min
